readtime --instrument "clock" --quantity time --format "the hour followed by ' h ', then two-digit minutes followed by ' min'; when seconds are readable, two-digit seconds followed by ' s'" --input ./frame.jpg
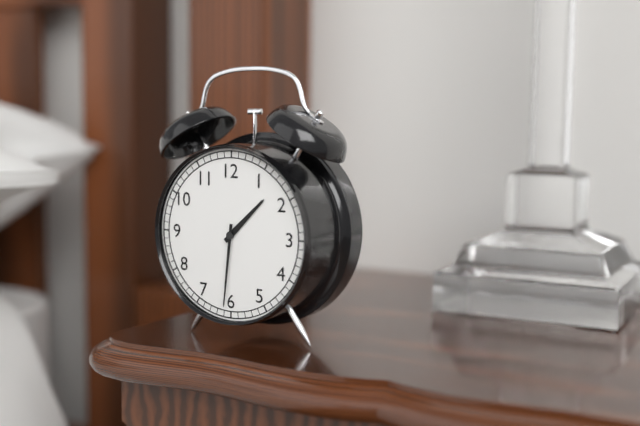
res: 1 h 31 min
